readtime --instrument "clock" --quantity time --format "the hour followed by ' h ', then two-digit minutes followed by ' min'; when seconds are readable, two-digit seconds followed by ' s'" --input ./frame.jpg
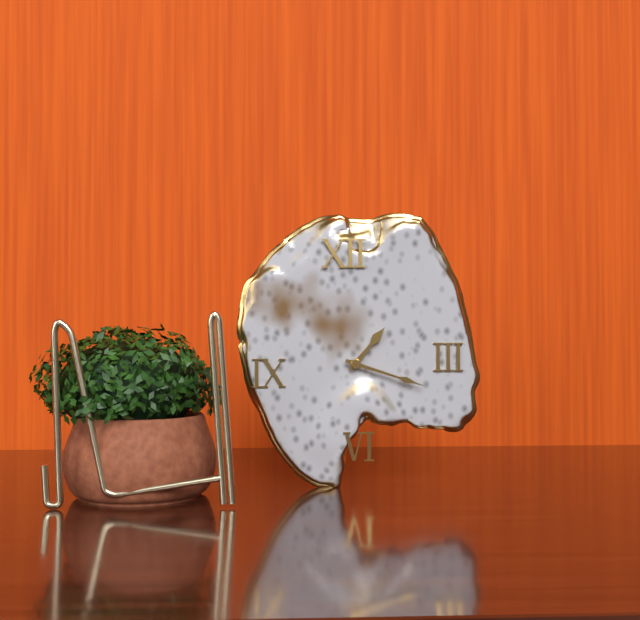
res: 1 h 18 min
